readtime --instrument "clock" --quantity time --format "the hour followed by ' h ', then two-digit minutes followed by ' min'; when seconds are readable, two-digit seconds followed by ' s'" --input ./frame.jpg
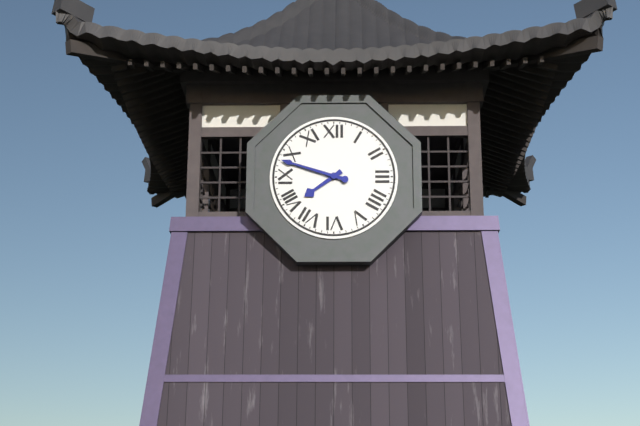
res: 7 h 48 min
